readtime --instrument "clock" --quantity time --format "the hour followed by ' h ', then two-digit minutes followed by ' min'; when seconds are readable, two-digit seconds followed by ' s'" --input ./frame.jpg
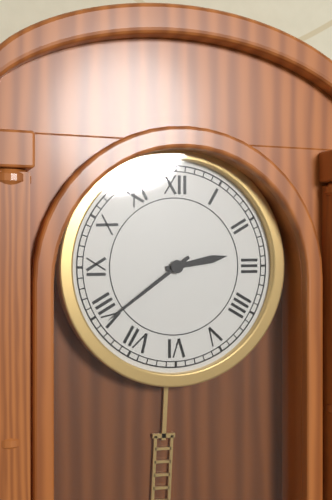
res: 2 h 39 min
